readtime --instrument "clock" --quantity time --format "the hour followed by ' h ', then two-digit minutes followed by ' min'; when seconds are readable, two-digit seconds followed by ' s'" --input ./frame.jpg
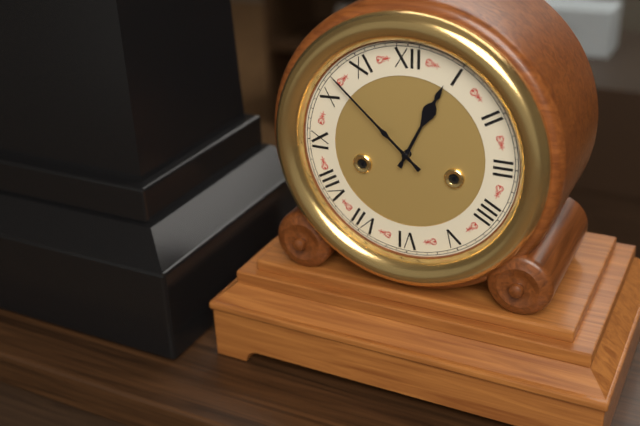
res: 12 h 52 min
